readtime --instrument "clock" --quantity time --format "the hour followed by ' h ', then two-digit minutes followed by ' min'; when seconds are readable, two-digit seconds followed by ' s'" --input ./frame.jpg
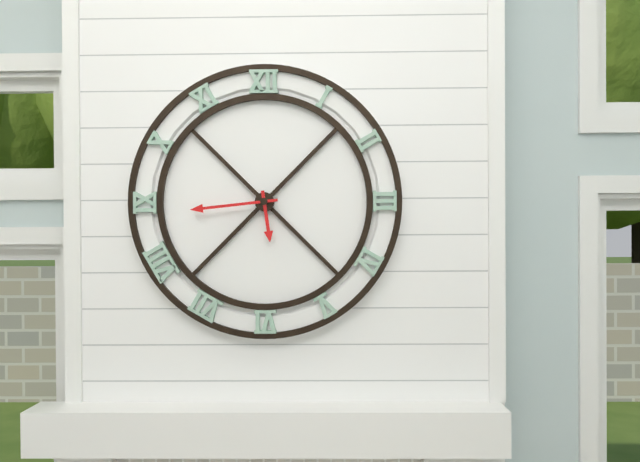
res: 5 h 44 min
